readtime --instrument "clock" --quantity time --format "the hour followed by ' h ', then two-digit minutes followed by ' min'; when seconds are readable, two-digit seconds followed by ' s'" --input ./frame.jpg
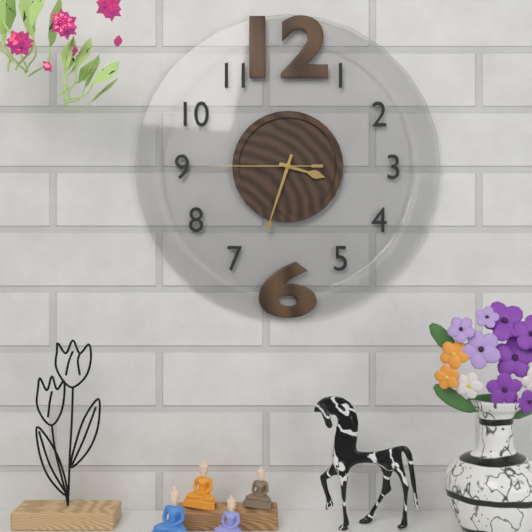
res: 3 h 33 min 45 s
